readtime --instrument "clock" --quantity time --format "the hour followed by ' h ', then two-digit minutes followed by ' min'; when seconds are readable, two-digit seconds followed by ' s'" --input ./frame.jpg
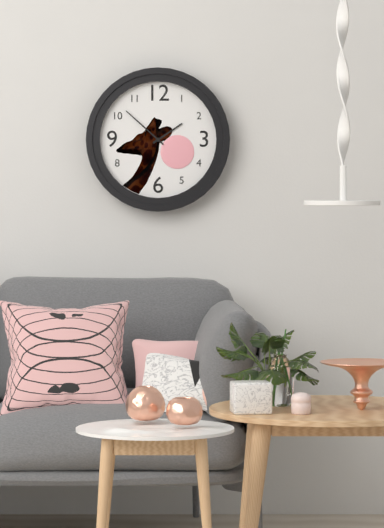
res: 1 h 52 min
